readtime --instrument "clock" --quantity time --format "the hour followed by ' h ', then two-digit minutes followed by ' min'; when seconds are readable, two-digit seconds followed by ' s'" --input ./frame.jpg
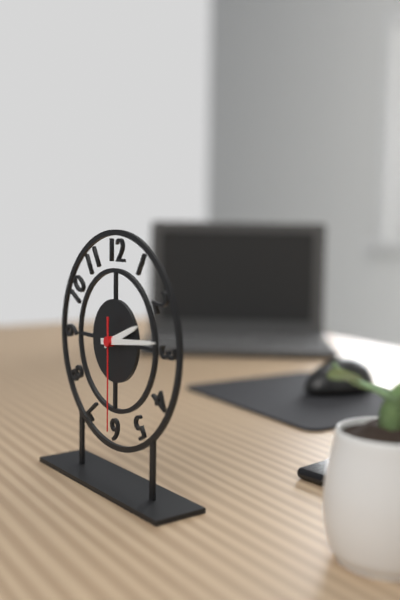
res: 2 h 14 min 30 s
